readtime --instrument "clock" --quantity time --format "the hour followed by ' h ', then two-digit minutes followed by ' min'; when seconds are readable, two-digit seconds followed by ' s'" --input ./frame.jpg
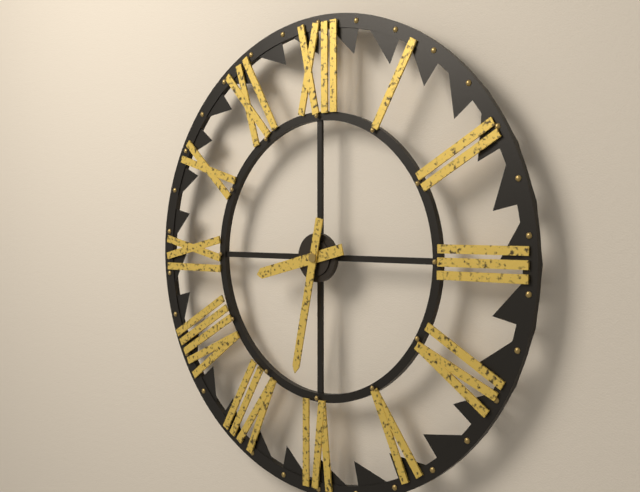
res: 8 h 32 min
